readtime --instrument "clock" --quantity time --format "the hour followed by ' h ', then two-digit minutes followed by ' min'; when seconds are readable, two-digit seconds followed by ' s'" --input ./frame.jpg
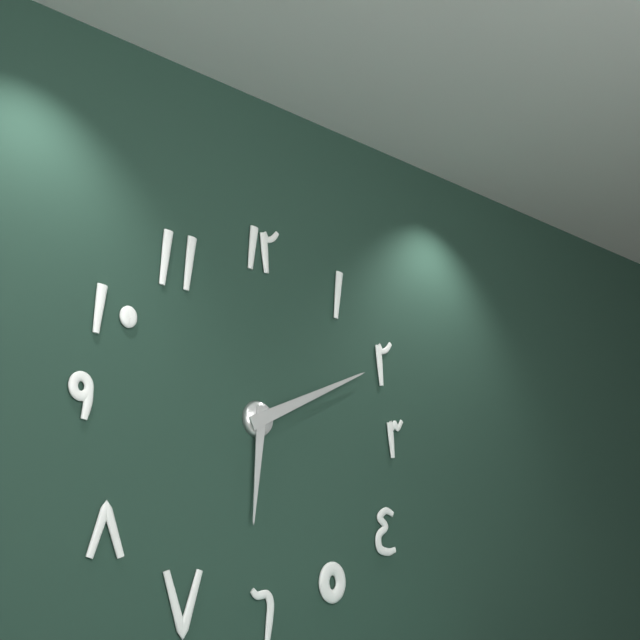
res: 6 h 11 min
